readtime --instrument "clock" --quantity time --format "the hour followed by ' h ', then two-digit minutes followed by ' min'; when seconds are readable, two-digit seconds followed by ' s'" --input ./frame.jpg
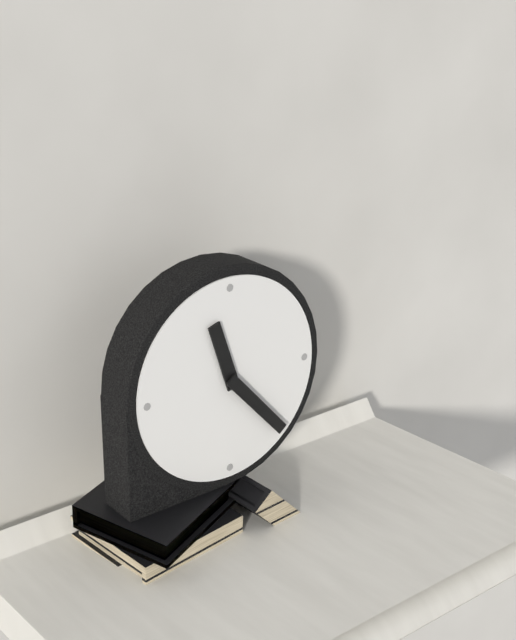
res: 11 h 23 min
